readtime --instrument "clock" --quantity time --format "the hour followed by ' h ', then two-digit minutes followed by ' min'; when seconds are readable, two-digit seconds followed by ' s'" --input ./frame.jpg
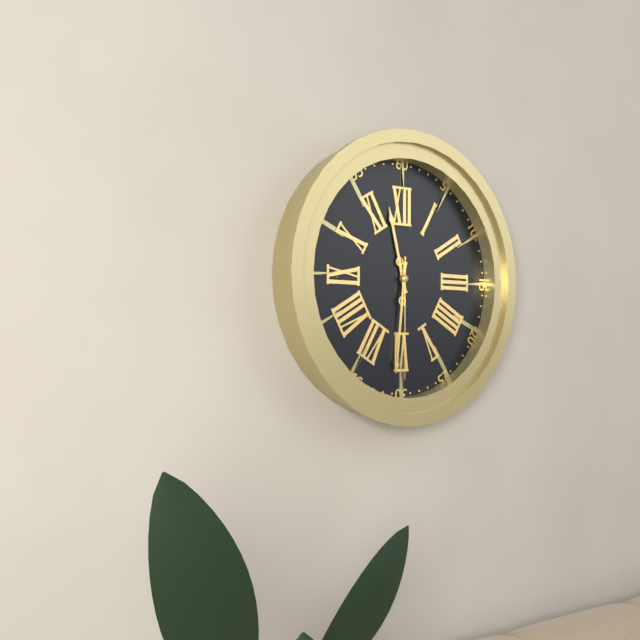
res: 11 h 31 min 30 s
